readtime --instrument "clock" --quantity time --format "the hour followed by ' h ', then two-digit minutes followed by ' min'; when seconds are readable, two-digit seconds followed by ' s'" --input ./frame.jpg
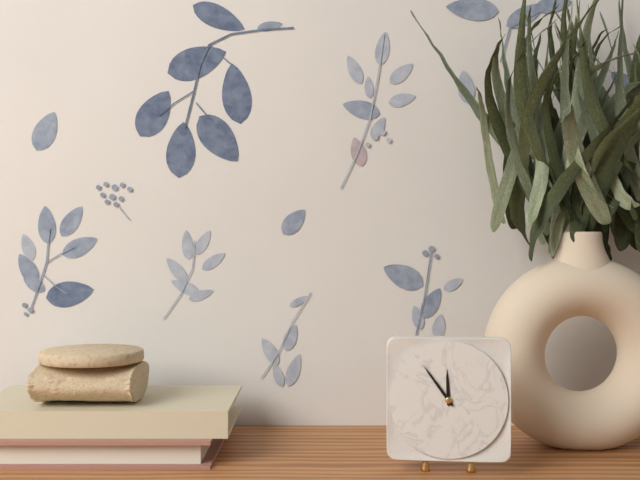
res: 11 h 54 min
